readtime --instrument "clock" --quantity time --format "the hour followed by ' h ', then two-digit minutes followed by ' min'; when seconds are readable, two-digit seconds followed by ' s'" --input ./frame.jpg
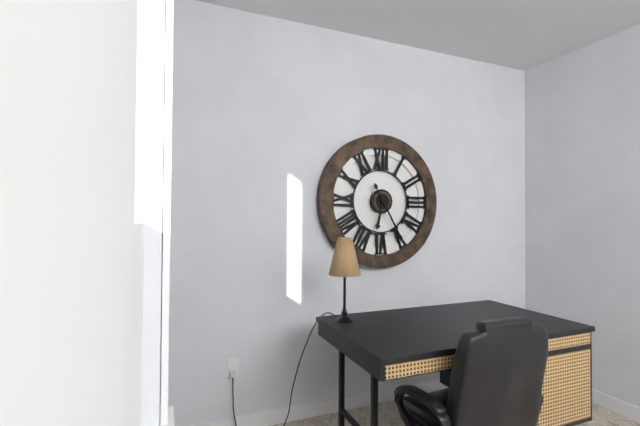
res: 6 h 25 min
